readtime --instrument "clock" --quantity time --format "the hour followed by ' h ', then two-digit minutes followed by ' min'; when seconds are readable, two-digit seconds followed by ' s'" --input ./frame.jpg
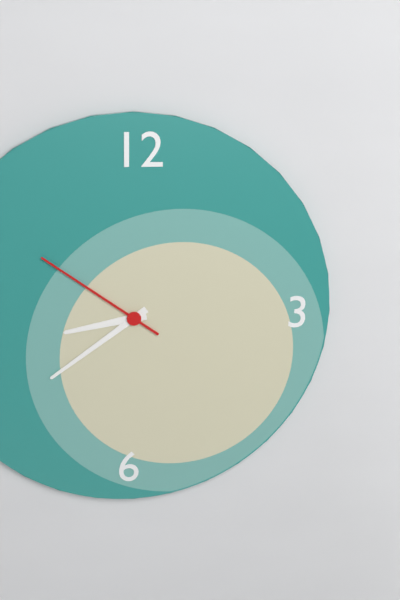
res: 8 h 39 min 51 s
